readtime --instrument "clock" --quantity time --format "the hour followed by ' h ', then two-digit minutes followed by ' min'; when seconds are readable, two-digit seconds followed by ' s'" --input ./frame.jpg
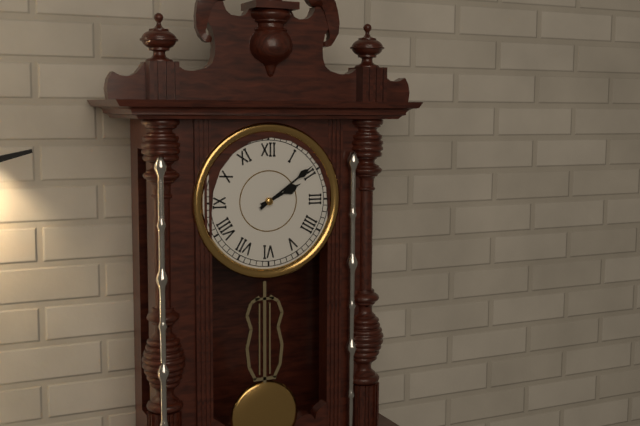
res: 2 h 09 min
